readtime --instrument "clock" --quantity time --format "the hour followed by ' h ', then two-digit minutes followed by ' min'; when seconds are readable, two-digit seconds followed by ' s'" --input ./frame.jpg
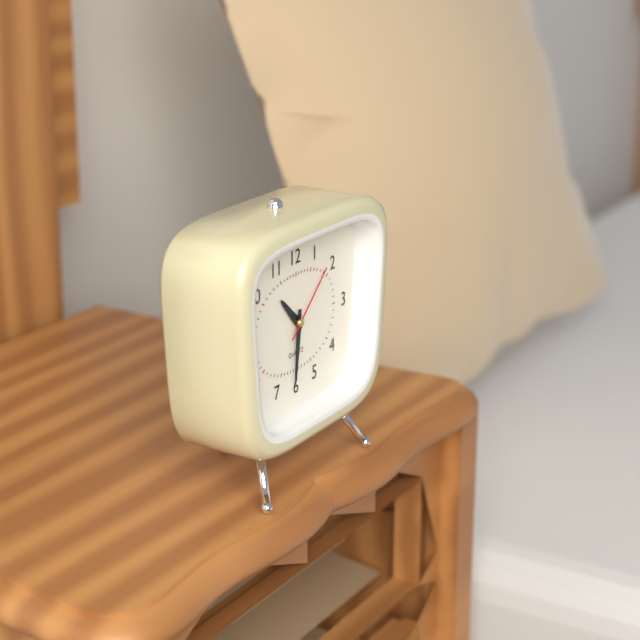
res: 10 h 31 min 08 s
